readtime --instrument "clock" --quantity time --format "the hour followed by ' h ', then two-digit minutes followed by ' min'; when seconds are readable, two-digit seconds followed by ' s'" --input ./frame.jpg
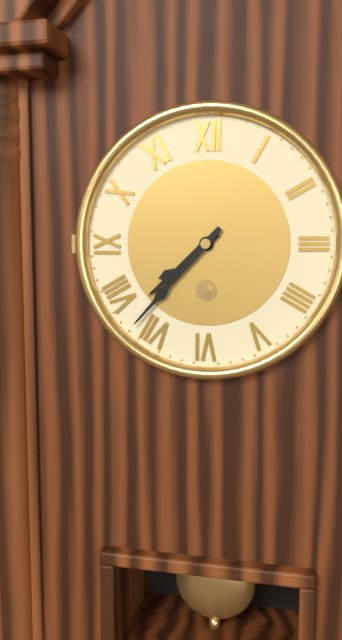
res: 7 h 37 min
